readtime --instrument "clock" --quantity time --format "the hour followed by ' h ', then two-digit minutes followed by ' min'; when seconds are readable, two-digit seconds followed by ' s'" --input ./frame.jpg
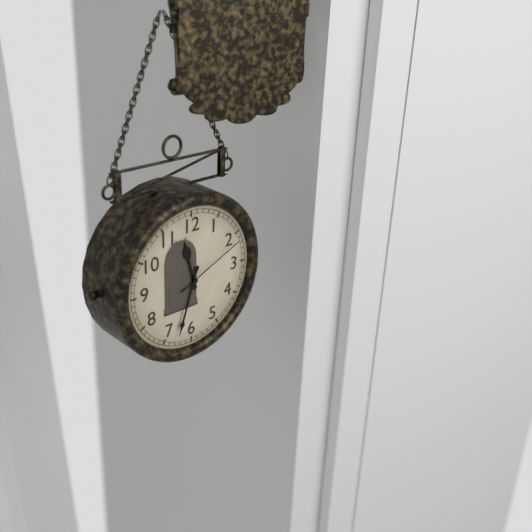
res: 11 h 33 min 11 s
